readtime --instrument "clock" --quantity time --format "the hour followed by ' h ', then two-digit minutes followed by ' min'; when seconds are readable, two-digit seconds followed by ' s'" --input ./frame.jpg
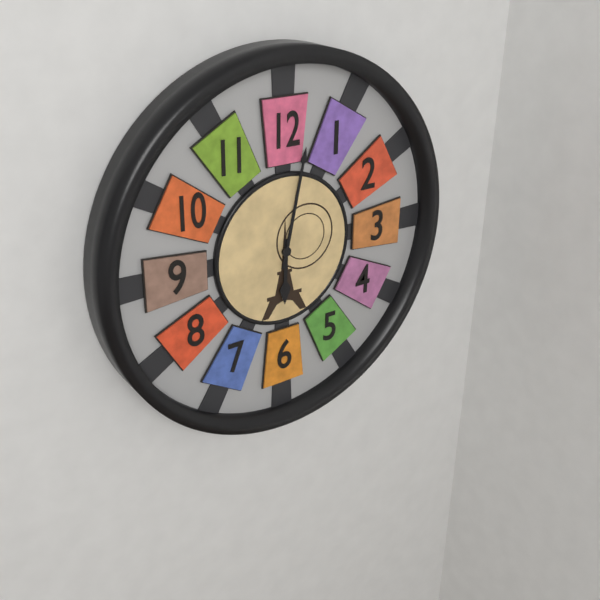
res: 6 h 02 min
